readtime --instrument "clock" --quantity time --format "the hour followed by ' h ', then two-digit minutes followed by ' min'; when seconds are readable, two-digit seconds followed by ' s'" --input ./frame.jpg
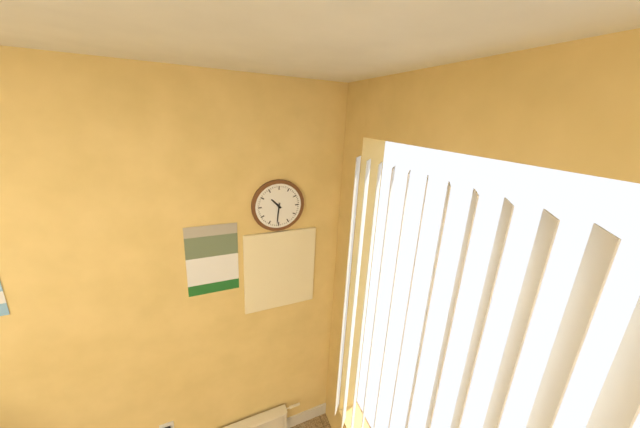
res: 10 h 31 min
